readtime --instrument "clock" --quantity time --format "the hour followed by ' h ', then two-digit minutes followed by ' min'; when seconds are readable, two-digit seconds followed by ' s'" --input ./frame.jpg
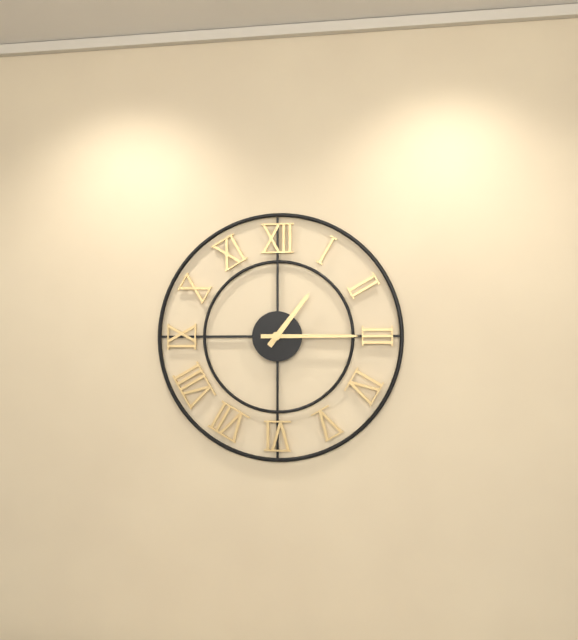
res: 1 h 15 min
